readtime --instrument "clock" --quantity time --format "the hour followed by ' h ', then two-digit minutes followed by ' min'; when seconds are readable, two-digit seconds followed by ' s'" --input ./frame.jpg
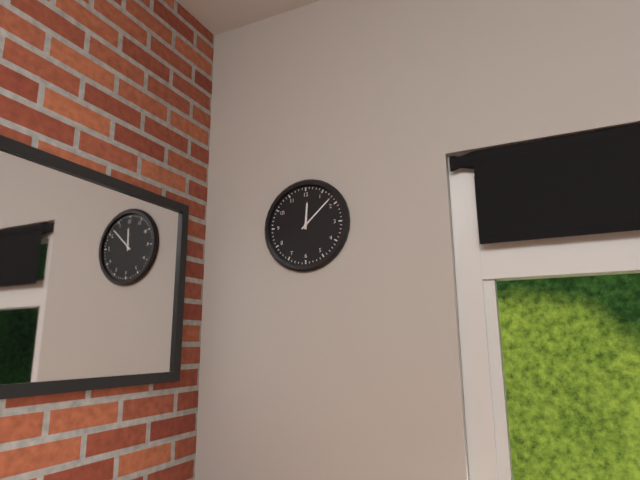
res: 12 h 08 min
